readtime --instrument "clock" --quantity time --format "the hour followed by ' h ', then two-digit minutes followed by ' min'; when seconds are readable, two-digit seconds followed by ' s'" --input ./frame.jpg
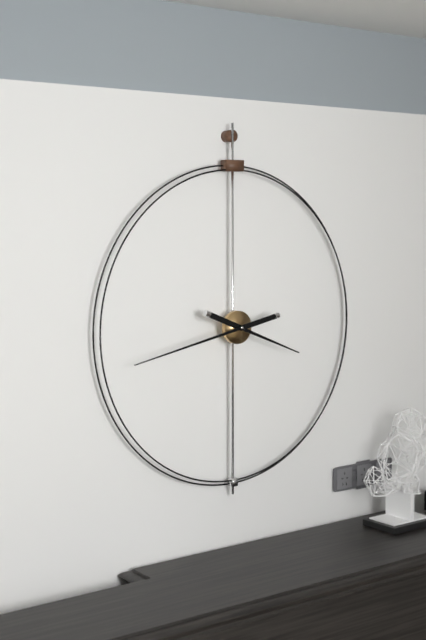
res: 3 h 43 min
